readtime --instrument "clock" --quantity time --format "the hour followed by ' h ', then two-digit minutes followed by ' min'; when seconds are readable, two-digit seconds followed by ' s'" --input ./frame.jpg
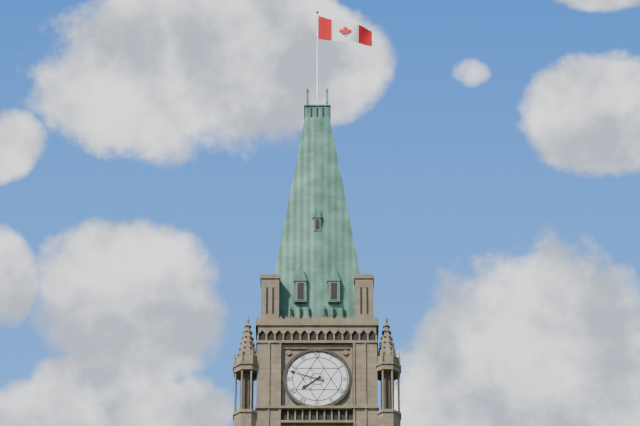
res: 7 h 48 min
